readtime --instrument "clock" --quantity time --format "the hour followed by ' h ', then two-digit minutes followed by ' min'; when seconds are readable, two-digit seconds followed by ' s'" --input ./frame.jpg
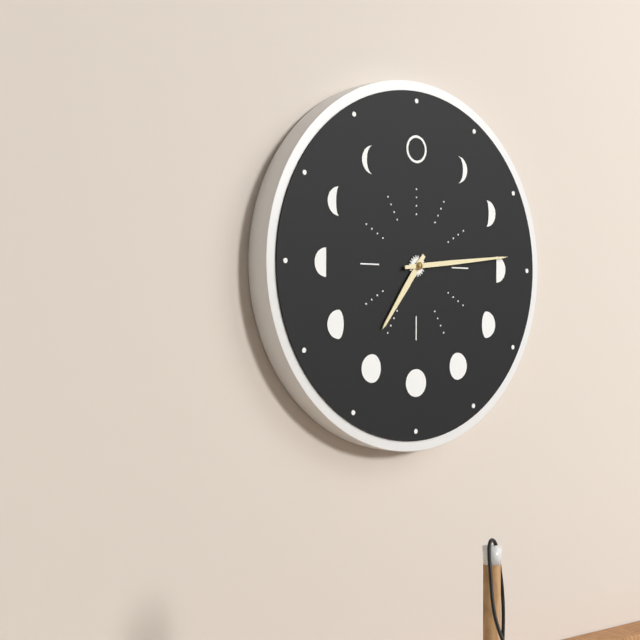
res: 7 h 14 min
